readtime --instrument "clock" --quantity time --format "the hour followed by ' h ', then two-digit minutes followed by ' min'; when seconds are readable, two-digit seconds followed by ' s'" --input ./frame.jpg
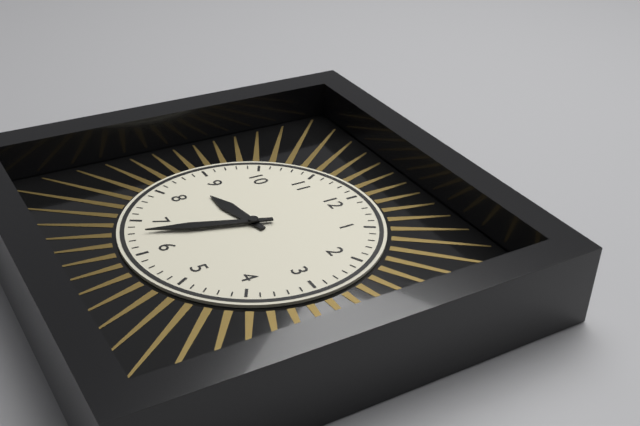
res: 8 h 33 min
